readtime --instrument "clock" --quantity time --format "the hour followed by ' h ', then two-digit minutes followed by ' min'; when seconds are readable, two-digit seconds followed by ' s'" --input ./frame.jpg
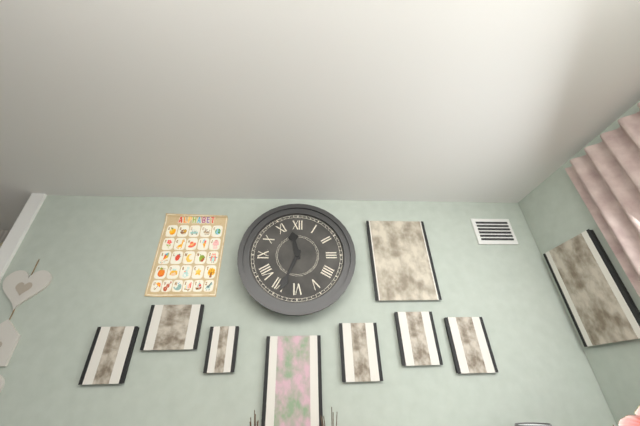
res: 11 h 34 min
